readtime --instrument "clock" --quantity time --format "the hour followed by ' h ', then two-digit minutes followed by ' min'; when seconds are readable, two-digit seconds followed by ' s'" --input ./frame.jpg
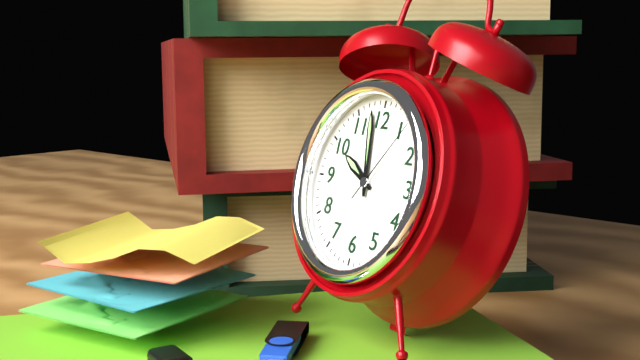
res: 9 h 58 min 06 s
